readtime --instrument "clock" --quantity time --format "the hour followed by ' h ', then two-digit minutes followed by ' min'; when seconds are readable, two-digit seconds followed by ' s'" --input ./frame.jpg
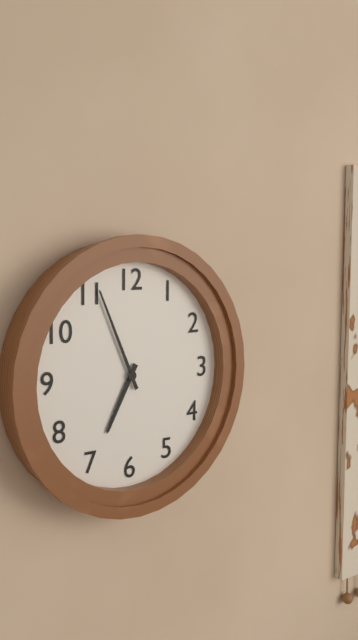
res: 6 h 56 min
